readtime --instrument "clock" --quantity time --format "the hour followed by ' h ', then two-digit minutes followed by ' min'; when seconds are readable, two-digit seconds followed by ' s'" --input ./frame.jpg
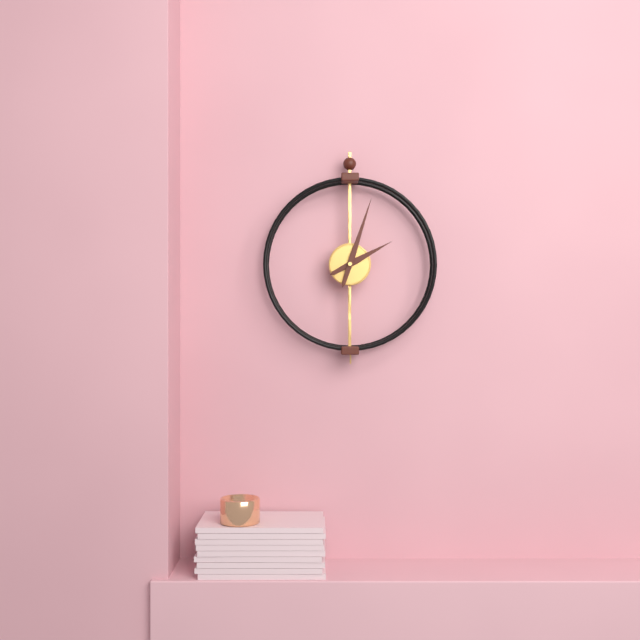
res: 2 h 03 min
